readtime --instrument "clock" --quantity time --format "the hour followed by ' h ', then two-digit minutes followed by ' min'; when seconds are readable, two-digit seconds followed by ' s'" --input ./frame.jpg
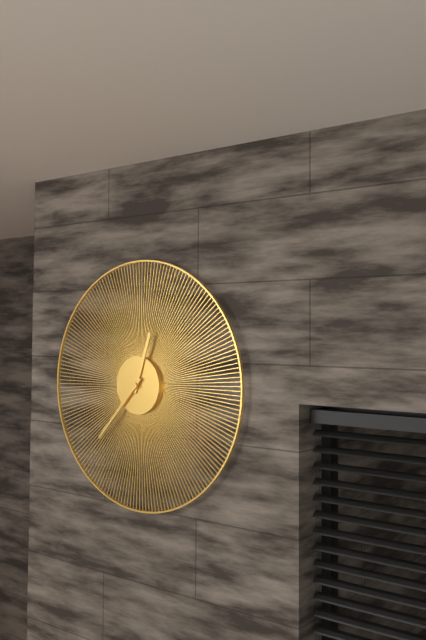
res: 12 h 37 min
